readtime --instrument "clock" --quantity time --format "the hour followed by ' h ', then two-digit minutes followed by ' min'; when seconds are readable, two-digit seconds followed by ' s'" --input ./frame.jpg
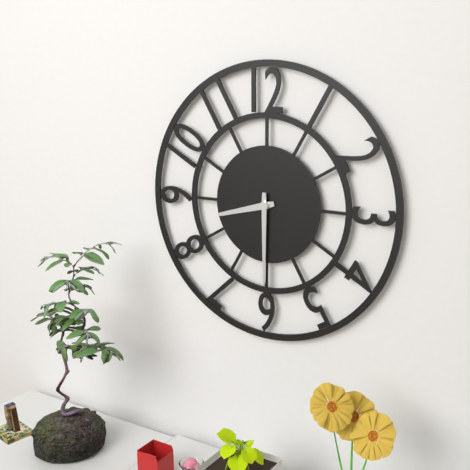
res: 8 h 30 min
